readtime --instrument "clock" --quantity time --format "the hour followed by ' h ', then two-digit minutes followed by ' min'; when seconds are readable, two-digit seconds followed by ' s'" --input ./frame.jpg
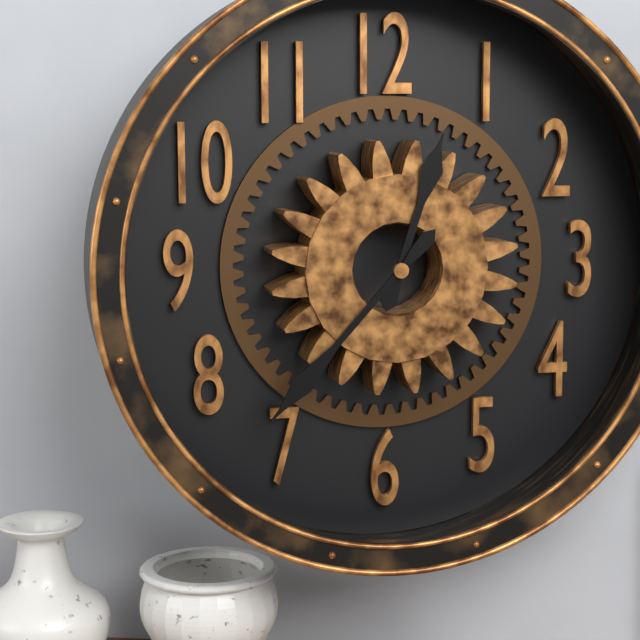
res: 12 h 37 min
